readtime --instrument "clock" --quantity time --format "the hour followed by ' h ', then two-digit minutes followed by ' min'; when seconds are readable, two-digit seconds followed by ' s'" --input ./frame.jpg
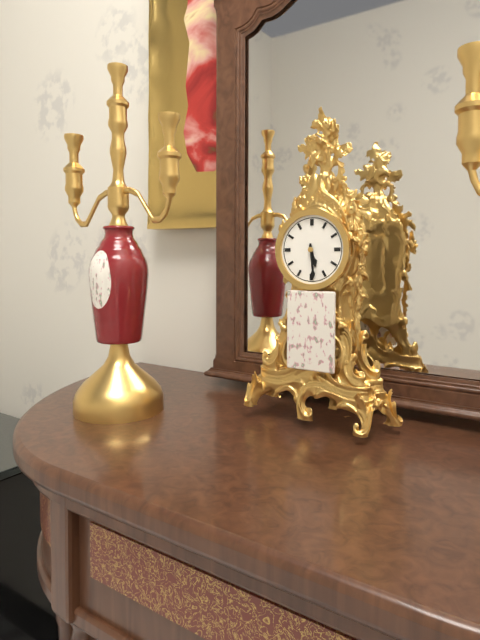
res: 5 h 29 min
